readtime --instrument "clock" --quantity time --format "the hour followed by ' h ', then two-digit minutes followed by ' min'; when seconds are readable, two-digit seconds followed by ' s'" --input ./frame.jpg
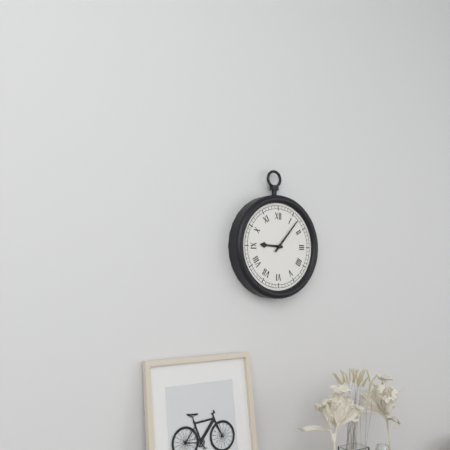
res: 9 h 07 min
